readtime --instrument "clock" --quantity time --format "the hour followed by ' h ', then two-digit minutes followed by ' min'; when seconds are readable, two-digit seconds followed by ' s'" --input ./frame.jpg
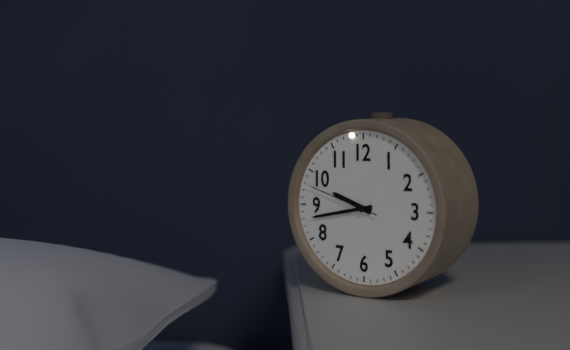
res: 9 h 43 min 48 s
